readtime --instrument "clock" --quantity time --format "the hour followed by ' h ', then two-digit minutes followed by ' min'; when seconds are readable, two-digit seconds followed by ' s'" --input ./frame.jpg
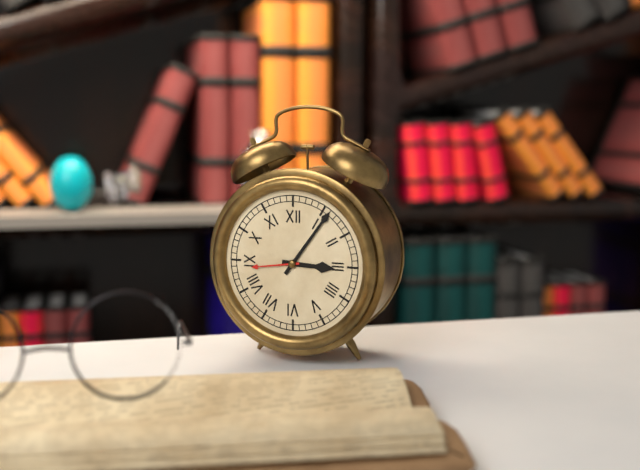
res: 3 h 06 min
